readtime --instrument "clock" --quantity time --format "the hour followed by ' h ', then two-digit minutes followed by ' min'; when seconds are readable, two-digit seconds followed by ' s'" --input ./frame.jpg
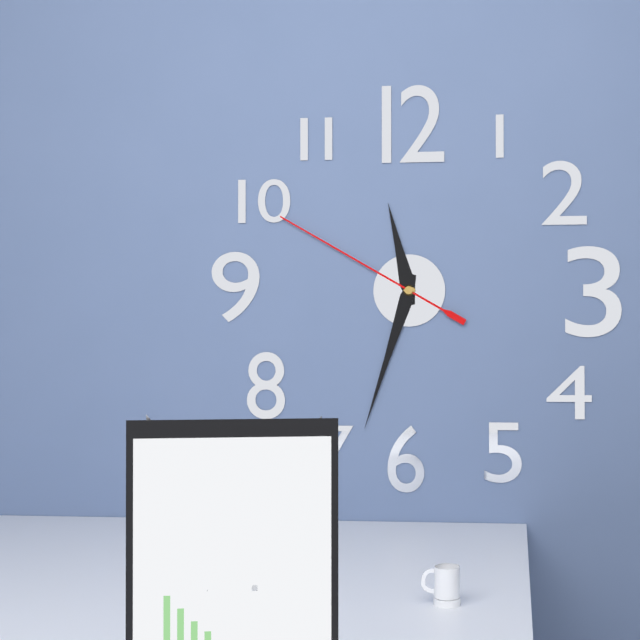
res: 11 h 33 min 50 s
